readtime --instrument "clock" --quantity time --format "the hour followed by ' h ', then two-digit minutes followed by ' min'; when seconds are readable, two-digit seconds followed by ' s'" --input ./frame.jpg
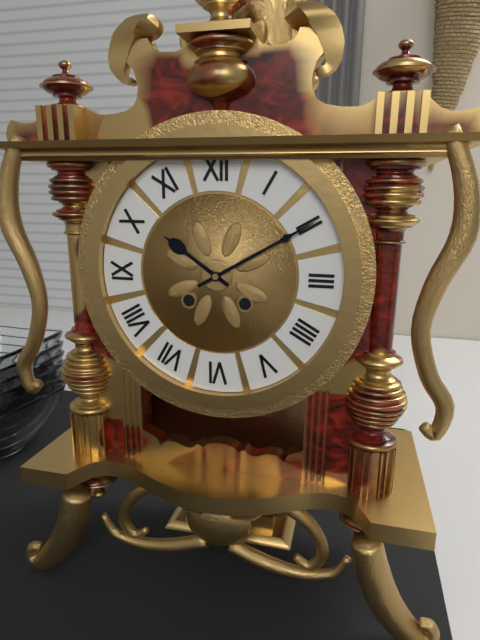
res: 10 h 10 min
